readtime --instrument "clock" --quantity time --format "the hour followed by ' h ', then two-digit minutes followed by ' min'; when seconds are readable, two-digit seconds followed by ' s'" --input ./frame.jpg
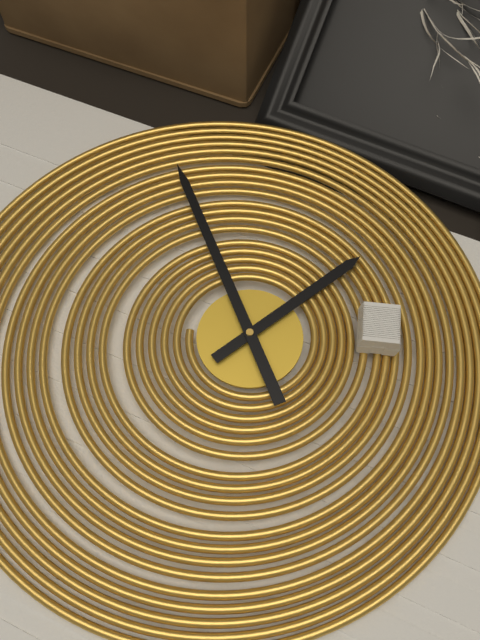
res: 12 h 52 min
